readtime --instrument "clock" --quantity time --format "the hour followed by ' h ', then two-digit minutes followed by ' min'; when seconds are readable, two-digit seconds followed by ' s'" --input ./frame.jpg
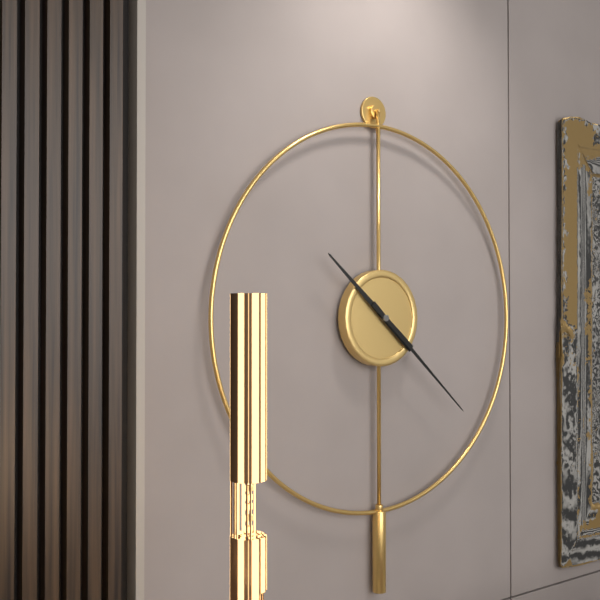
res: 10 h 22 min
